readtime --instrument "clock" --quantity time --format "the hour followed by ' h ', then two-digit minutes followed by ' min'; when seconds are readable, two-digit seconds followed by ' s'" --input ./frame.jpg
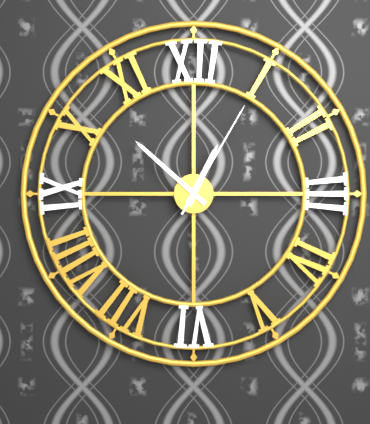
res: 12 h 52 min 05 s
